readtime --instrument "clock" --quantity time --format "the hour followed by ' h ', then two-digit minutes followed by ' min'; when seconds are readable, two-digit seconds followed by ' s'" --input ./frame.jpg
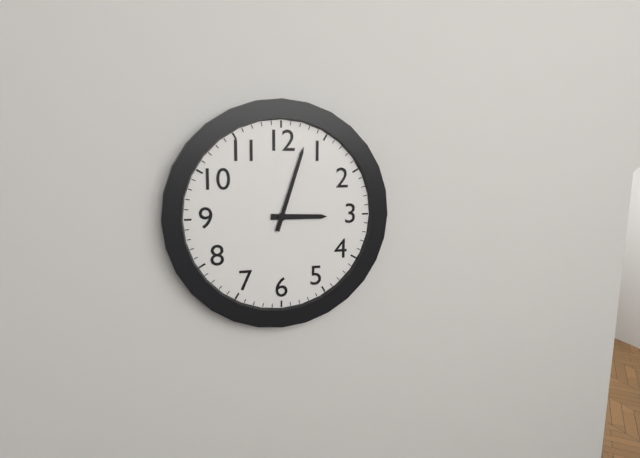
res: 3 h 03 min
